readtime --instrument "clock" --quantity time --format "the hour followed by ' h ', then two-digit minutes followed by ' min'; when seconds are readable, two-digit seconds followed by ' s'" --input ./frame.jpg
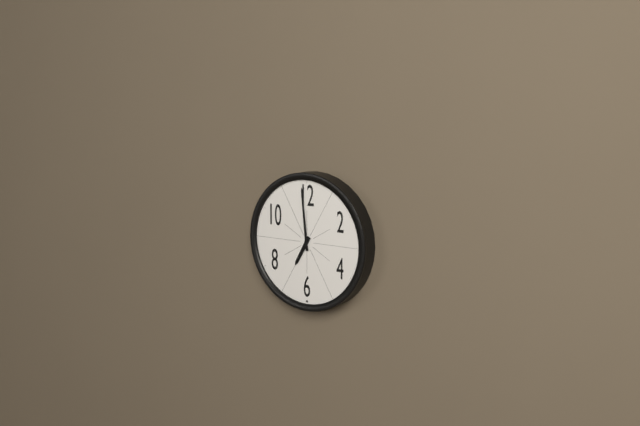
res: 6 h 59 min
